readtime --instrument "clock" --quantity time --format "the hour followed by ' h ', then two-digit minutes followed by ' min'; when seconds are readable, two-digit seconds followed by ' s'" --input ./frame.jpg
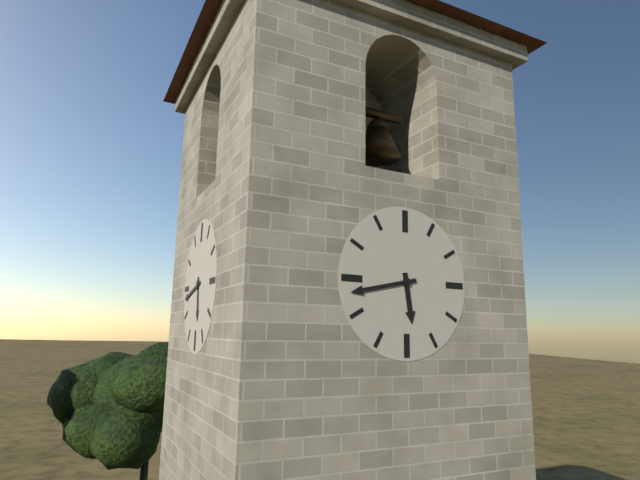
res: 5 h 43 min
